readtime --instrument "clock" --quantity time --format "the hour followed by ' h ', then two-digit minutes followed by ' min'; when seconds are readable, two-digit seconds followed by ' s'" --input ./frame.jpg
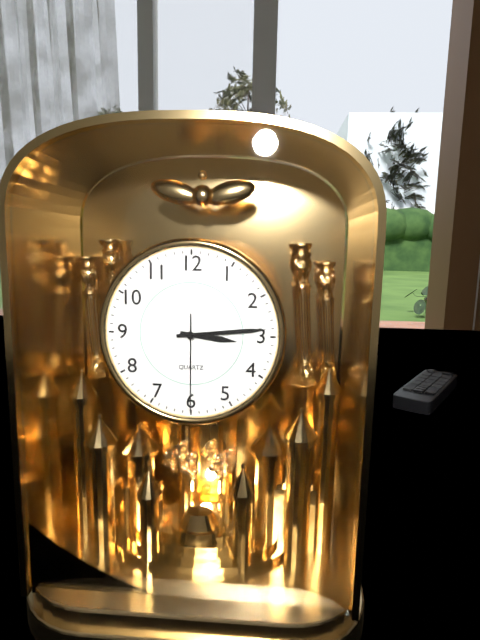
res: 3 h 14 min 30 s
